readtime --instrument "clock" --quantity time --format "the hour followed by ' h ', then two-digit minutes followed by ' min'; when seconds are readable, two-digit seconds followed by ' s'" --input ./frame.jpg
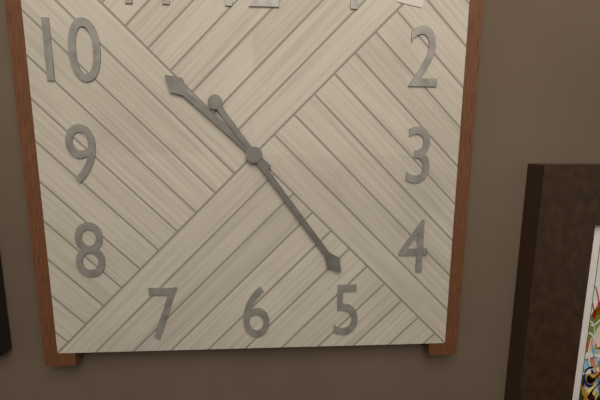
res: 10 h 24 min
